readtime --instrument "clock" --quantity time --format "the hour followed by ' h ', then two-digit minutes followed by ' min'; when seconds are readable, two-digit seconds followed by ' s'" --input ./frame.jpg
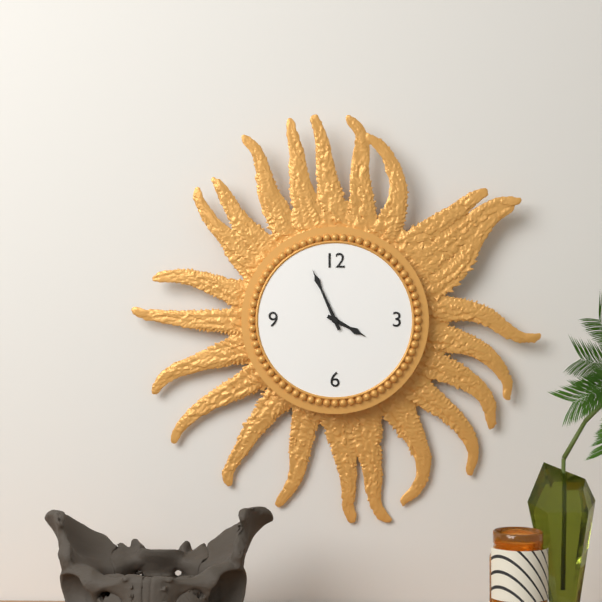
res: 3 h 56 min
